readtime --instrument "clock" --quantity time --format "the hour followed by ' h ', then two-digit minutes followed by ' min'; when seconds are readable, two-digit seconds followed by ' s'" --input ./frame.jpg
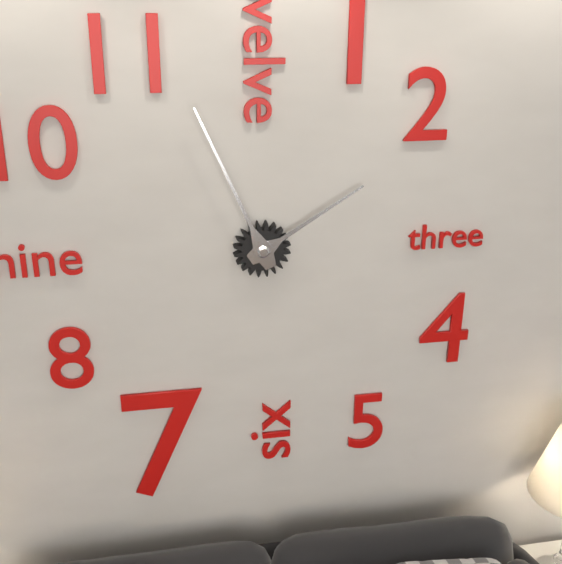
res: 1 h 56 min
